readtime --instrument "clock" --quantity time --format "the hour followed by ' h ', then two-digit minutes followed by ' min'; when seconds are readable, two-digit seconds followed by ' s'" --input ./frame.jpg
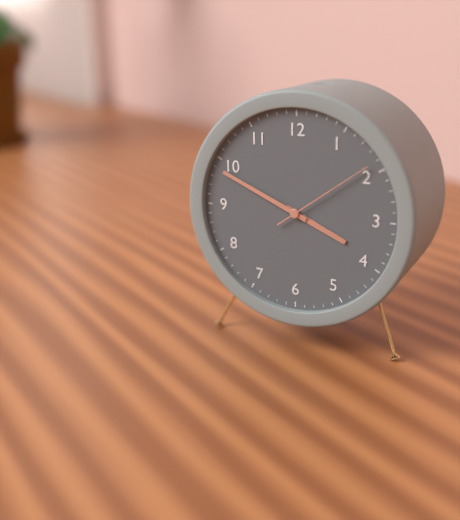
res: 3 h 49 min 09 s
